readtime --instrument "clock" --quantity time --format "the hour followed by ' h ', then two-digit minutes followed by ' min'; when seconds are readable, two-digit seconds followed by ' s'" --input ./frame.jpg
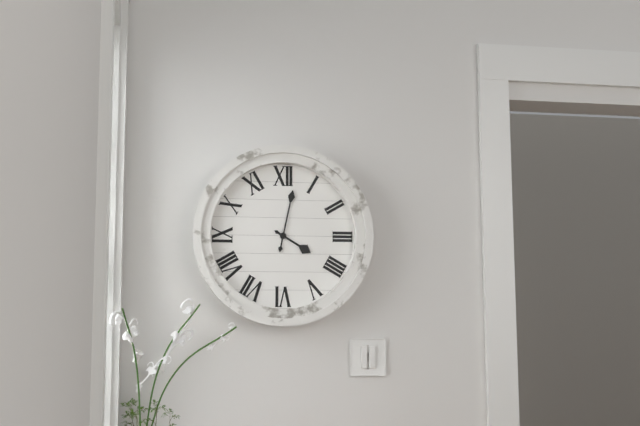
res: 4 h 02 min
